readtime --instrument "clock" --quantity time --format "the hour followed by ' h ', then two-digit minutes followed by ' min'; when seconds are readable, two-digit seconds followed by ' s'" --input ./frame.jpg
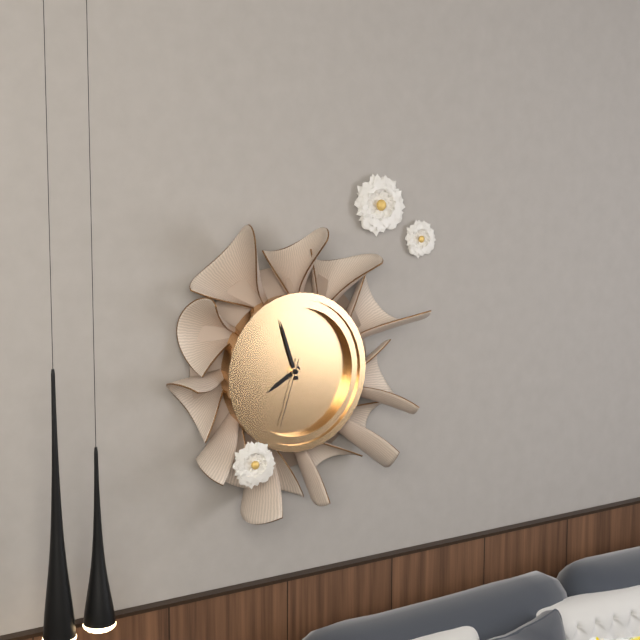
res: 7 h 57 min 33 s
